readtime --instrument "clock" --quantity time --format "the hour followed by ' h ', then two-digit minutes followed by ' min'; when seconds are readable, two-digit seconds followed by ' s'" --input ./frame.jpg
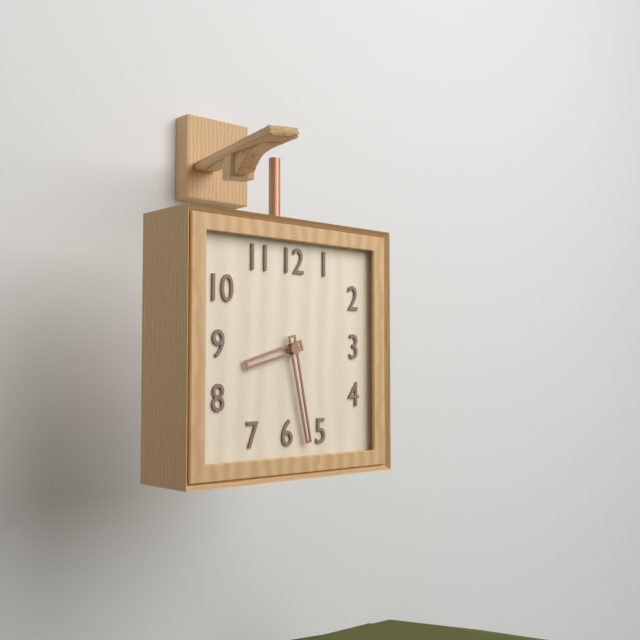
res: 8 h 28 min
